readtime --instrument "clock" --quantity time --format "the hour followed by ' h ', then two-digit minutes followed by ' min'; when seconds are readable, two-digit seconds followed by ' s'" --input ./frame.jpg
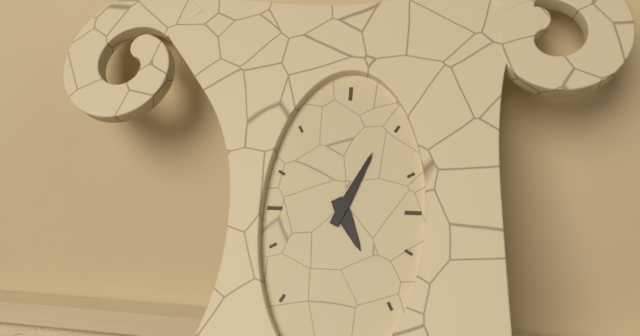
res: 5 h 04 min
